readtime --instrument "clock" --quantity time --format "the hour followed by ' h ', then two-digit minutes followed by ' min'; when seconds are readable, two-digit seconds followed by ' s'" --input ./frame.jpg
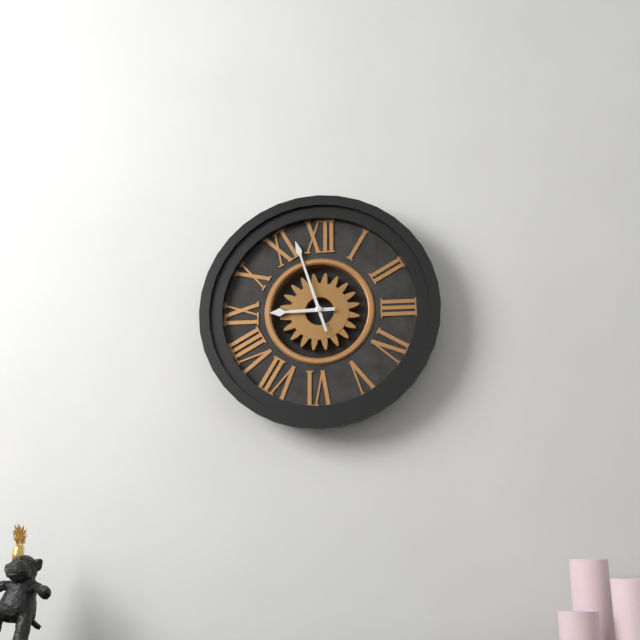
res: 8 h 57 min
